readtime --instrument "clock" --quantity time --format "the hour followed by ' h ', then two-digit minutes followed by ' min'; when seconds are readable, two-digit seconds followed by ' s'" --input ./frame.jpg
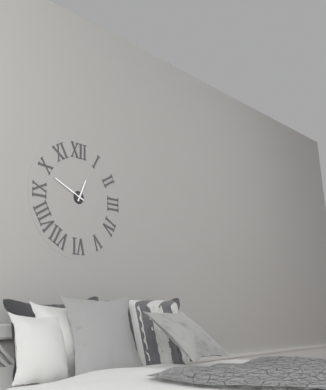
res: 12 h 49 min
